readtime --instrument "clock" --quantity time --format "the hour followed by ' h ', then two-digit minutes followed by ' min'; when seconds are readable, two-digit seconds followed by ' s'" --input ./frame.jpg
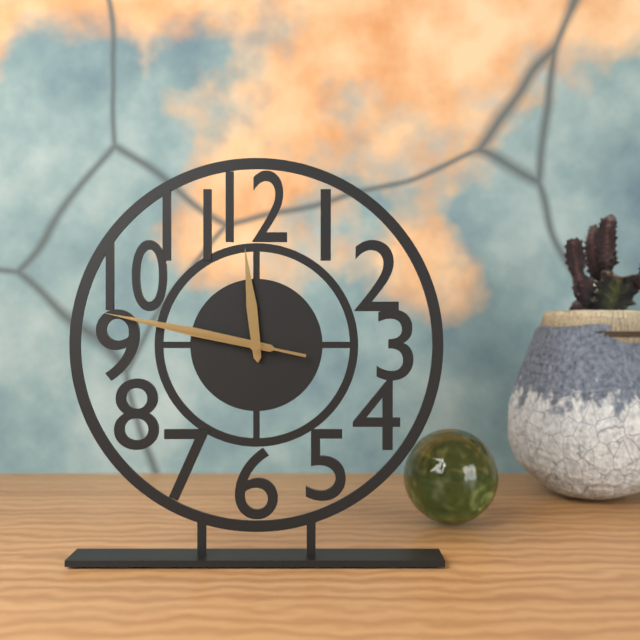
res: 11 h 47 min 47 s
